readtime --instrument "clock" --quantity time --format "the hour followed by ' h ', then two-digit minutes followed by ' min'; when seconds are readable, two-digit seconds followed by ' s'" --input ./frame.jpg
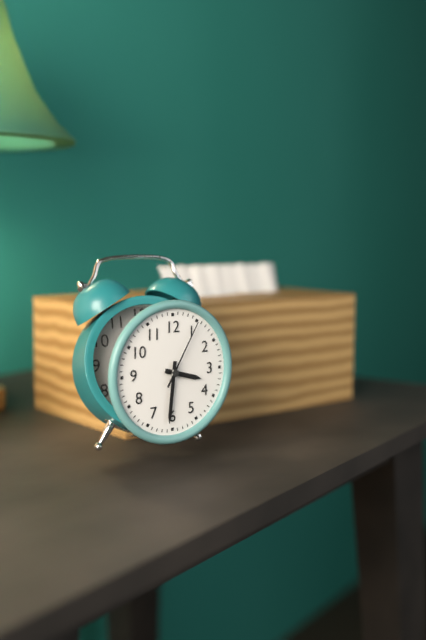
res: 3 h 31 min 05 s
